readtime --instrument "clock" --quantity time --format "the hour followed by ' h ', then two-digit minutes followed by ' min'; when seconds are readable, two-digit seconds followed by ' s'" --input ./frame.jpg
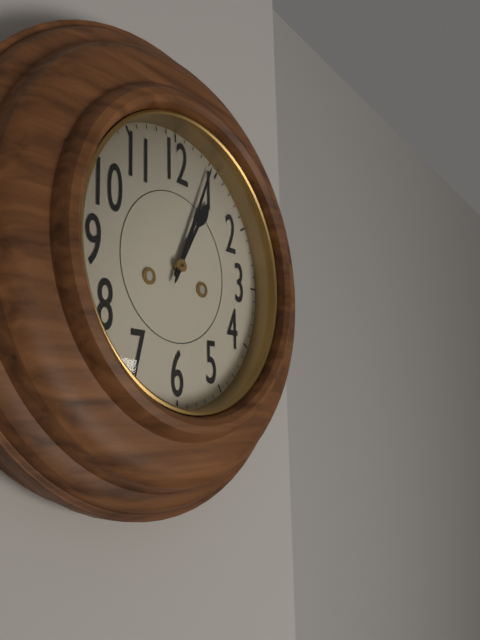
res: 1 h 04 min
